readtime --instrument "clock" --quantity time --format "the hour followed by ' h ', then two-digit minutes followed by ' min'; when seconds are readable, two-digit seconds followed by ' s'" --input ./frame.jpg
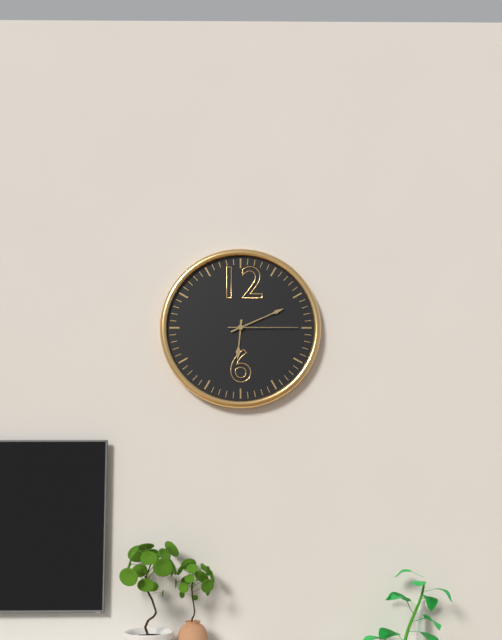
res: 6 h 11 min 15 s
